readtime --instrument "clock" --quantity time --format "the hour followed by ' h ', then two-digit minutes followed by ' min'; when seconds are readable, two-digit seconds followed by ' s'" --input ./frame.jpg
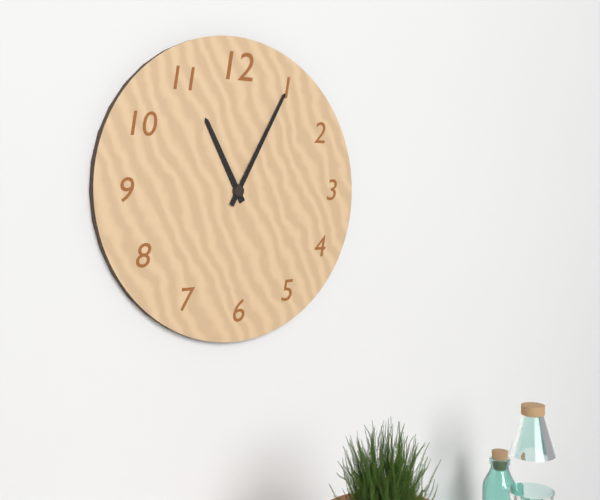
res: 11 h 05 min
